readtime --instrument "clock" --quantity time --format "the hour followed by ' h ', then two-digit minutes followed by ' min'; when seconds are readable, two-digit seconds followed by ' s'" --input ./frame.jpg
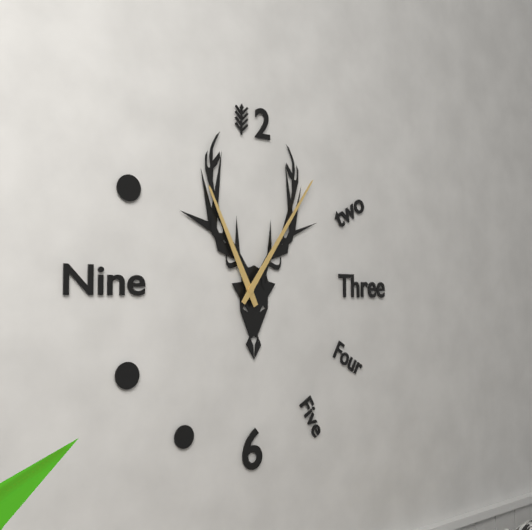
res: 11 h 06 min
